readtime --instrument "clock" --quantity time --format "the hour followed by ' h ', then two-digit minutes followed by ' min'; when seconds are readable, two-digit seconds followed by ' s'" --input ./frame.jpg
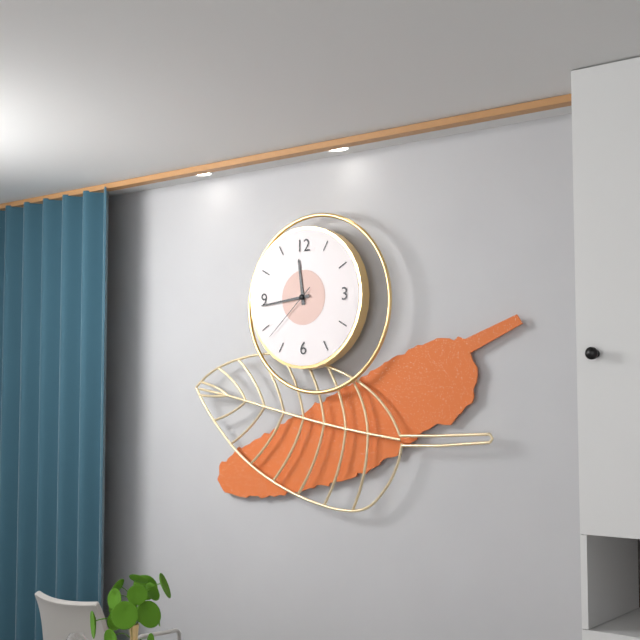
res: 11 h 44 min 38 s
